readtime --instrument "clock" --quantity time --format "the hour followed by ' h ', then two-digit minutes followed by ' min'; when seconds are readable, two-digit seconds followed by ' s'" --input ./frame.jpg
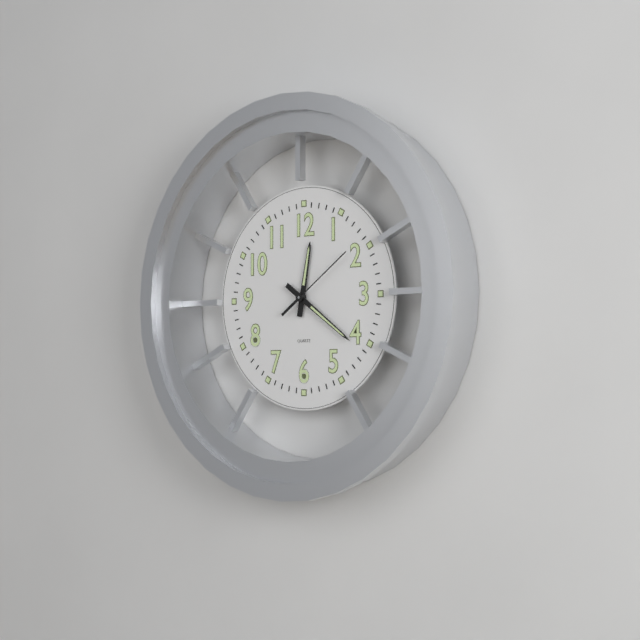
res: 12 h 21 min 09 s
